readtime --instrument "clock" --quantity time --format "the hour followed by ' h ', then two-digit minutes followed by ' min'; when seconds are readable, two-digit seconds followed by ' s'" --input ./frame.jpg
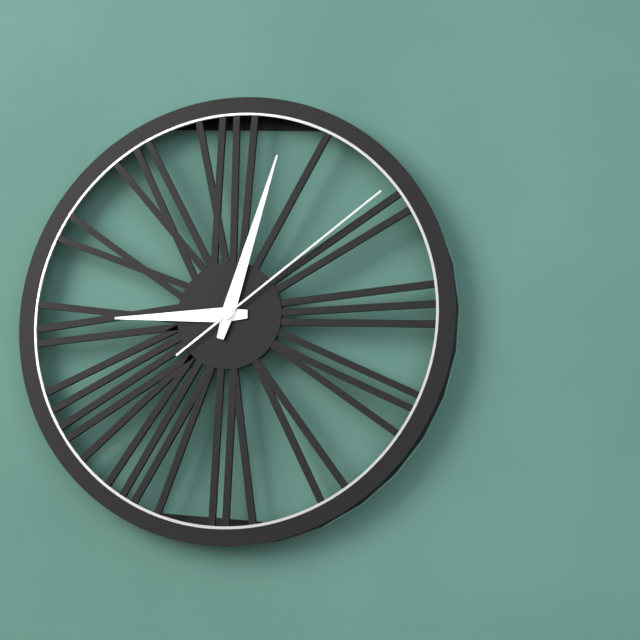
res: 9 h 03 min 09 s
